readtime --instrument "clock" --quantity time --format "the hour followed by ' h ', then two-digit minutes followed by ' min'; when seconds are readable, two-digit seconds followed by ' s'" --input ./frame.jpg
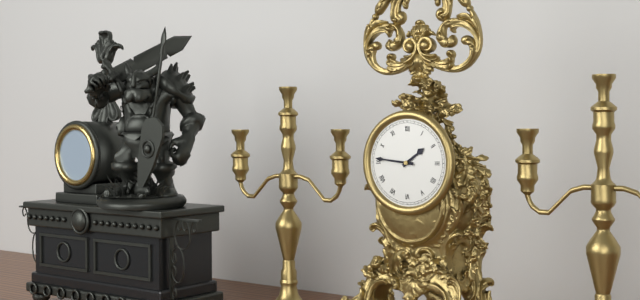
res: 1 h 46 min
